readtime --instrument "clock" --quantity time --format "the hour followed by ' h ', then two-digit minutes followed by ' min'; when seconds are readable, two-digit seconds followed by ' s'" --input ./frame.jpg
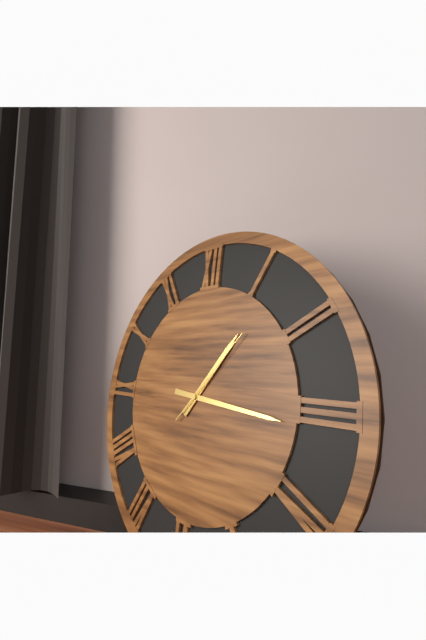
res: 1 h 16 min 07 s
